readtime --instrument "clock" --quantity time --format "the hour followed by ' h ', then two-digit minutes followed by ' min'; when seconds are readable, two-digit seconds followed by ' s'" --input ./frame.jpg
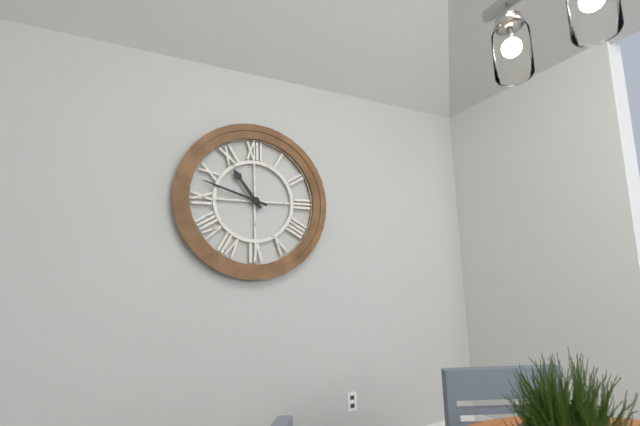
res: 10 h 48 min
